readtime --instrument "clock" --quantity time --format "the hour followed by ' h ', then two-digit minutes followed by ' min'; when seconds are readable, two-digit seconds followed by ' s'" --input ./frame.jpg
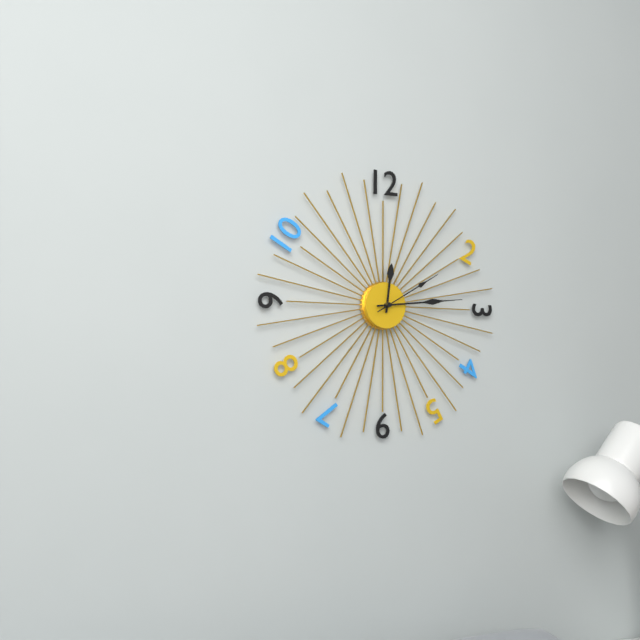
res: 12 h 14 min 10 s
